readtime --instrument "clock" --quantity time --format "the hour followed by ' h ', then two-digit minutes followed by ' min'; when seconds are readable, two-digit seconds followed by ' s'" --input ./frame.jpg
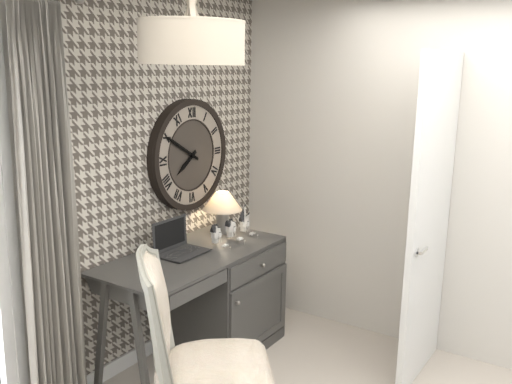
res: 7 h 50 min
